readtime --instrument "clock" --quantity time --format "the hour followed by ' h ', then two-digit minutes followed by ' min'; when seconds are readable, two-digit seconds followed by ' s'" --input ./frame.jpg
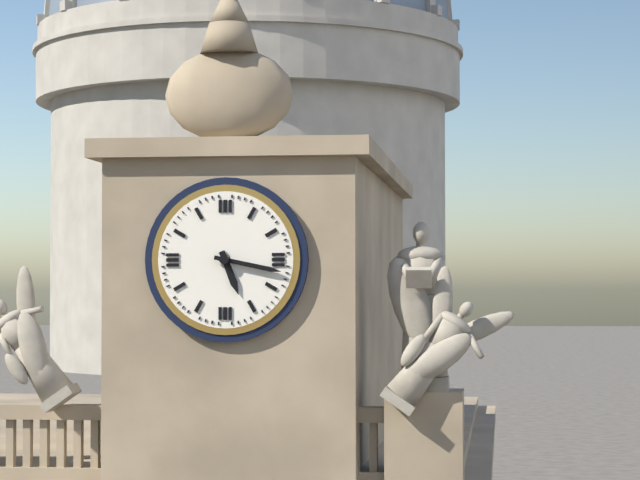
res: 5 h 17 min
